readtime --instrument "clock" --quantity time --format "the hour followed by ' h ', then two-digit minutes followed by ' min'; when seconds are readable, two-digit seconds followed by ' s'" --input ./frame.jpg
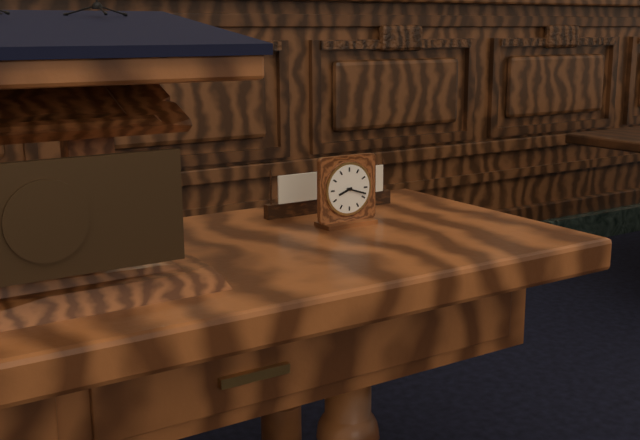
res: 8 h 18 min
